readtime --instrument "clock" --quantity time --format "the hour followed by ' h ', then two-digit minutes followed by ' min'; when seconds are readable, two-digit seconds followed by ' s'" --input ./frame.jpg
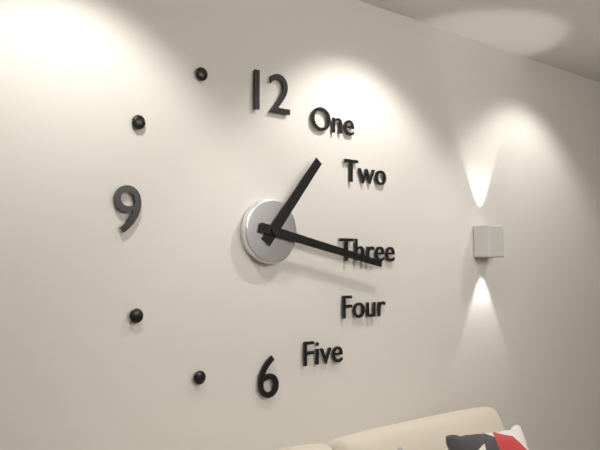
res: 1 h 17 min
